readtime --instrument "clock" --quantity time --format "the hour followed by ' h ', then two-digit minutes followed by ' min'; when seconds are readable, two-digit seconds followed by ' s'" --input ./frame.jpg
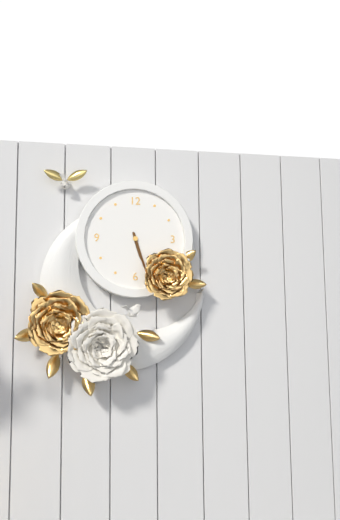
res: 5 h 27 min
